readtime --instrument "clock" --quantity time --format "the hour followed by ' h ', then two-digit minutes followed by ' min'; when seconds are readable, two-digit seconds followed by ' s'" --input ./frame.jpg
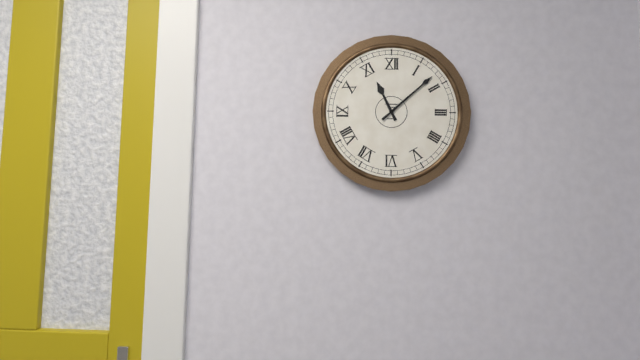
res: 11 h 08 min
